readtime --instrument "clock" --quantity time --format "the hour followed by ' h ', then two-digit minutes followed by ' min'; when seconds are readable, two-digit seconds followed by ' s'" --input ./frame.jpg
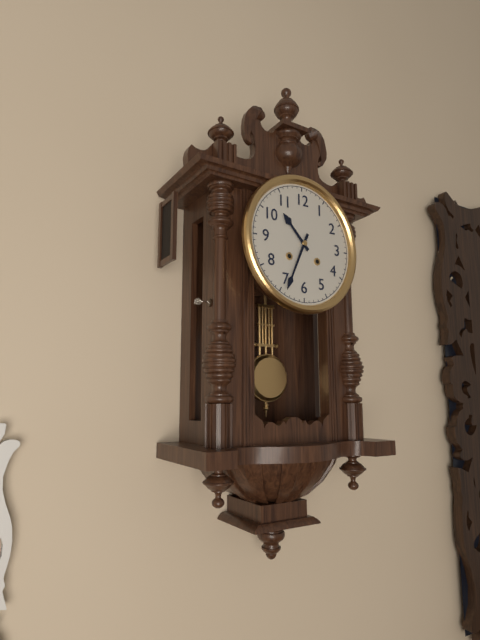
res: 10 h 34 min
